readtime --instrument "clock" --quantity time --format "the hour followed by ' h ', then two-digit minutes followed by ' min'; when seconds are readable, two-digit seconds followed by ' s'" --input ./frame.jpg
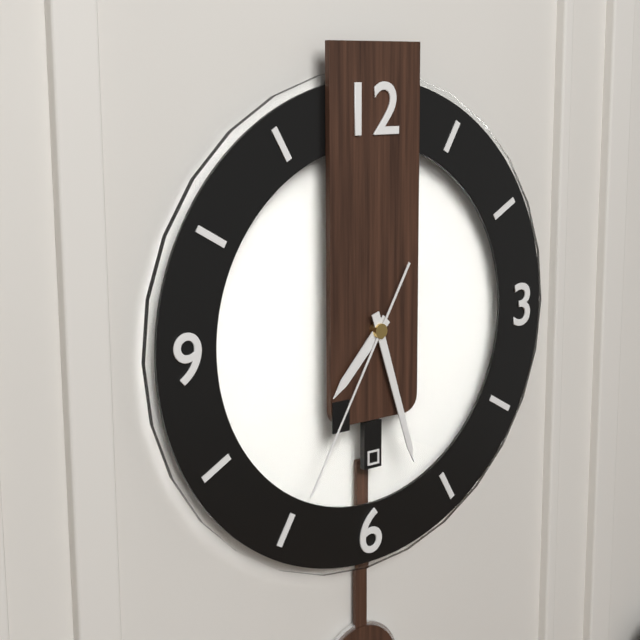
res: 7 h 27 min 35 s
